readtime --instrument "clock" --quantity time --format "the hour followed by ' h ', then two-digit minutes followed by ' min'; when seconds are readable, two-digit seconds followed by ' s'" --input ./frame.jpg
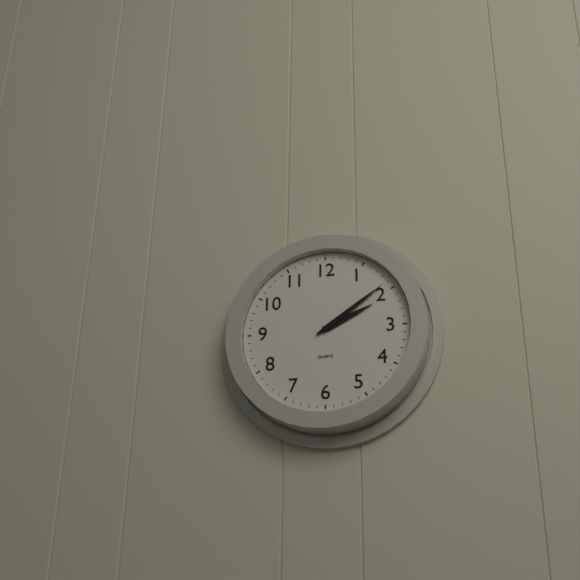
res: 2 h 09 min
